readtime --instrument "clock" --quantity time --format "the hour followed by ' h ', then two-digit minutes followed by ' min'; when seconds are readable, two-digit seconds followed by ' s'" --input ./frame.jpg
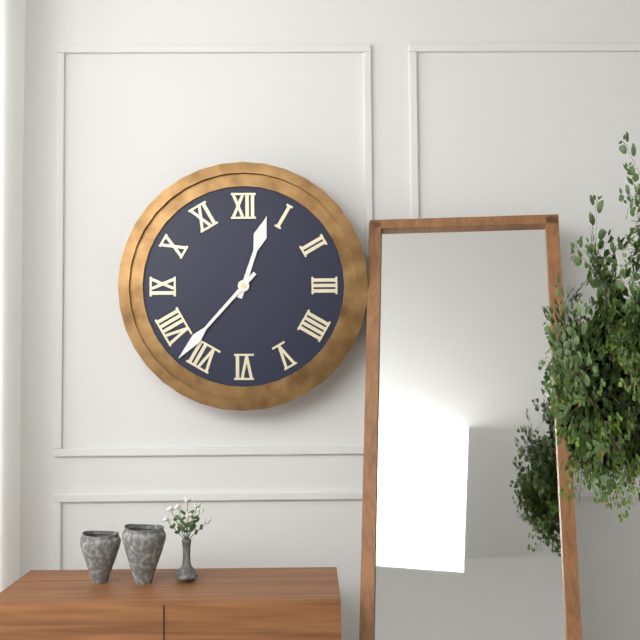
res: 12 h 37 min
